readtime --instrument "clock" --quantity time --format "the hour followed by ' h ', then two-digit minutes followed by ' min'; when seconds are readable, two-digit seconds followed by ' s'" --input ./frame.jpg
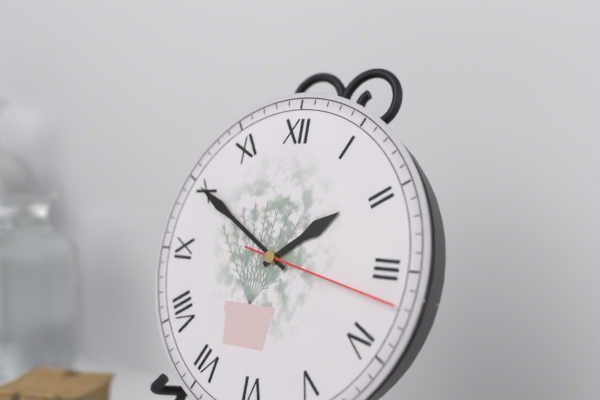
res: 1 h 50 min 17 s
